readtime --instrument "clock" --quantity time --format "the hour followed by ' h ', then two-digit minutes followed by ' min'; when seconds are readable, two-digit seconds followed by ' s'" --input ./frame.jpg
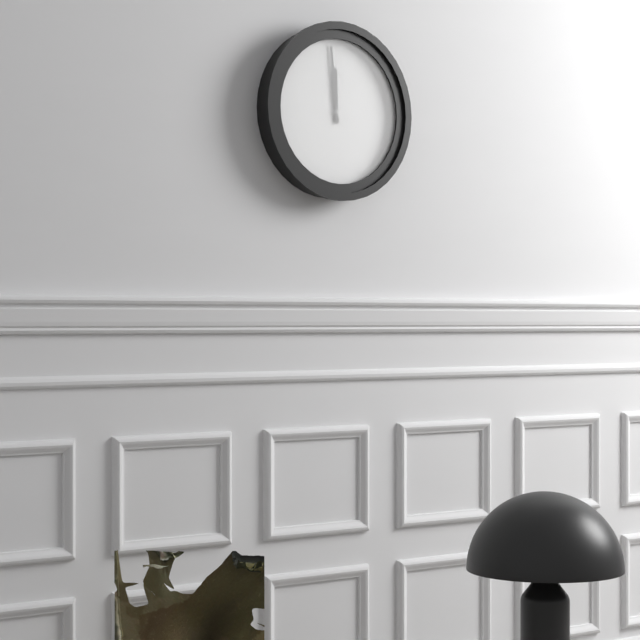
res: 11 h 59 min
